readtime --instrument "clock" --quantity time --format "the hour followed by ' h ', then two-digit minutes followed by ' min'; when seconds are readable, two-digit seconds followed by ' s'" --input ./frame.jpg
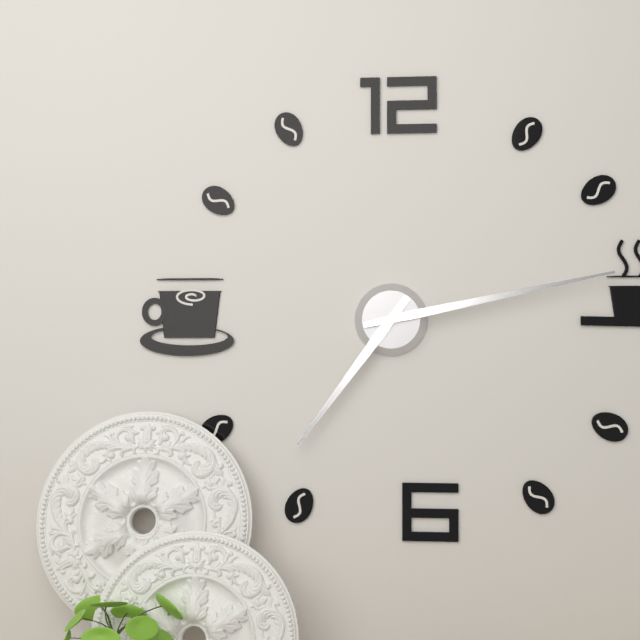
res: 7 h 13 min
